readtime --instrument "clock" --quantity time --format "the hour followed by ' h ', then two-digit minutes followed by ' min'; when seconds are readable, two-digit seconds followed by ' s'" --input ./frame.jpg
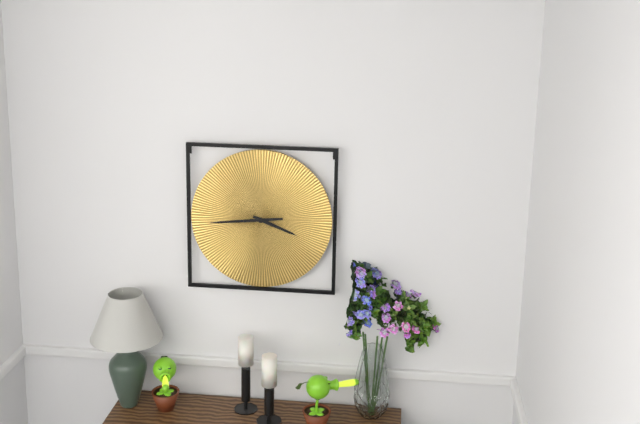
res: 3 h 44 min
